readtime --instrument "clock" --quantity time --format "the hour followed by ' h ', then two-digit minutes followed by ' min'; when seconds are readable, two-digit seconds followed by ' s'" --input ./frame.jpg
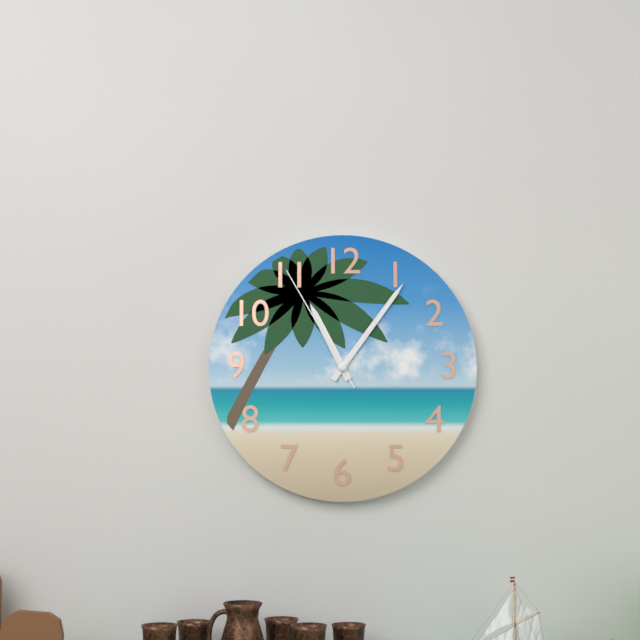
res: 11 h 06 min 55 s
